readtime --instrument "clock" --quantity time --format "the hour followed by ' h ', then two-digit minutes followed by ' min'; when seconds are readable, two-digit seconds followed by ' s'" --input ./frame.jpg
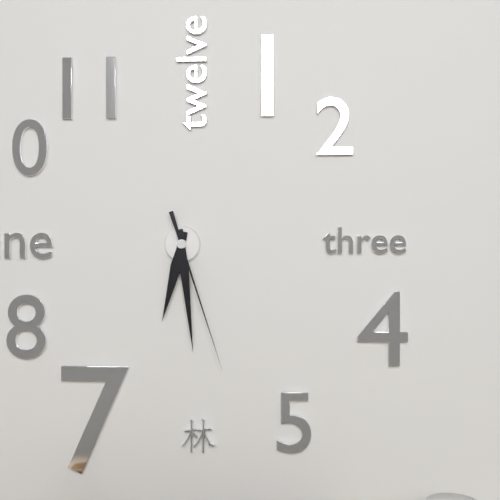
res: 6 h 29 min 27 s
